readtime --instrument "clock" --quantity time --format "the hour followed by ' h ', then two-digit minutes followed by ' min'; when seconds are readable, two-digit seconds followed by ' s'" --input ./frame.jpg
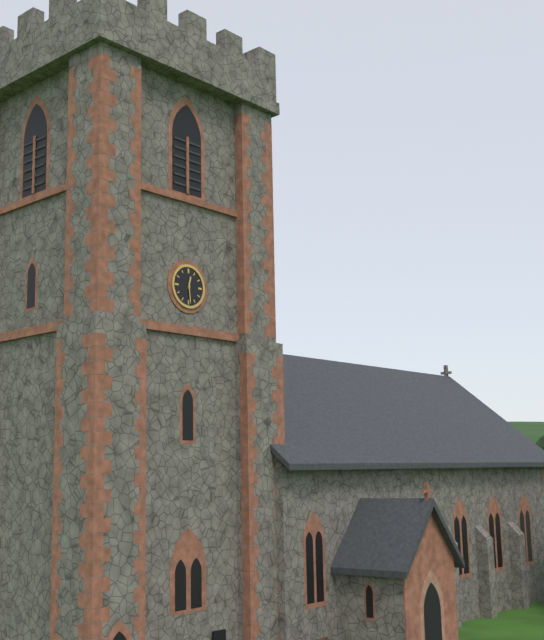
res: 12 h 29 min
